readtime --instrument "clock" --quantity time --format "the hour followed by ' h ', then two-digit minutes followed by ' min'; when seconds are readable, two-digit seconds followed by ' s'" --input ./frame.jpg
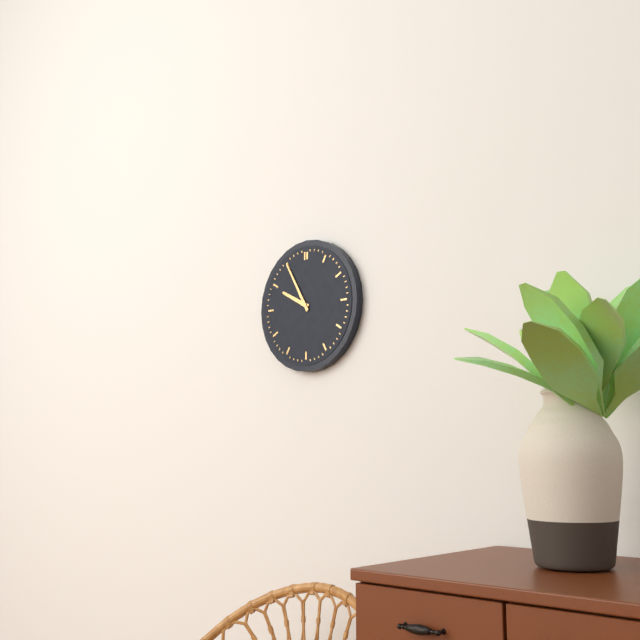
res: 9 h 55 min
